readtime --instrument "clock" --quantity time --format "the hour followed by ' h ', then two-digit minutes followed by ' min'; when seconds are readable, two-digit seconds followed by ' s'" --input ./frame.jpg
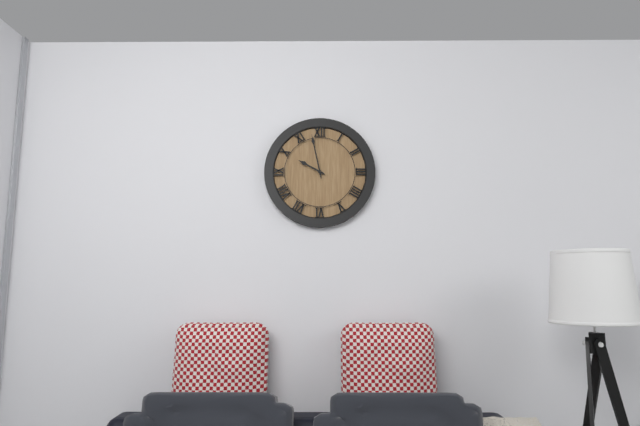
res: 9 h 58 min
